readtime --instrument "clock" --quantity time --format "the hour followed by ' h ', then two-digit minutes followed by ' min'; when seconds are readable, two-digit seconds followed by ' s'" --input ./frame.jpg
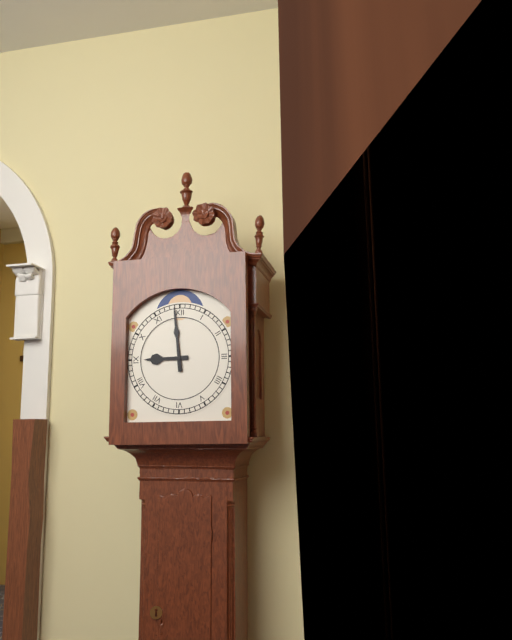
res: 8 h 59 min
